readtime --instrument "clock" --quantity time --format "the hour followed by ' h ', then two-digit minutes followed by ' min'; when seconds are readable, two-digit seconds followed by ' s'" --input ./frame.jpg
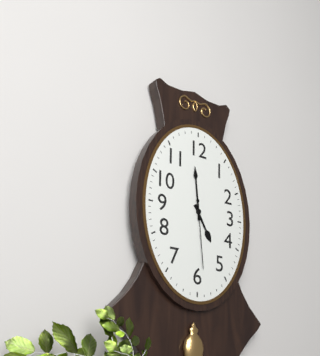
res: 4 h 59 min 29 s
